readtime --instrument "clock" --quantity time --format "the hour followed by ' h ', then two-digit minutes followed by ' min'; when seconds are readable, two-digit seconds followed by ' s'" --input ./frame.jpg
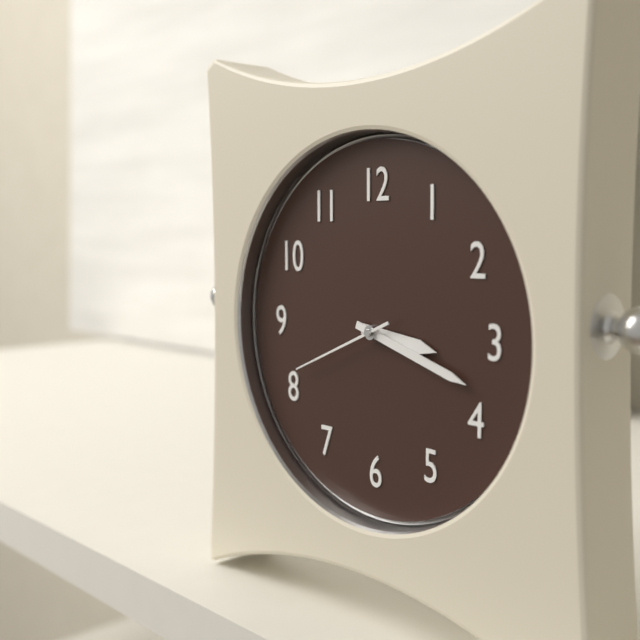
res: 3 h 18 min 41 s
